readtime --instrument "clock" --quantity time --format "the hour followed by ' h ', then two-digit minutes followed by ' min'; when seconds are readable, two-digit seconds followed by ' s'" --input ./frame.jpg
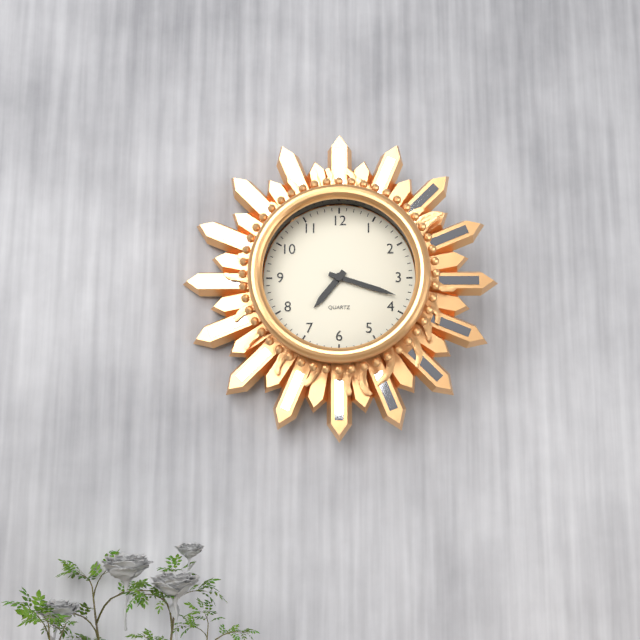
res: 7 h 18 min
